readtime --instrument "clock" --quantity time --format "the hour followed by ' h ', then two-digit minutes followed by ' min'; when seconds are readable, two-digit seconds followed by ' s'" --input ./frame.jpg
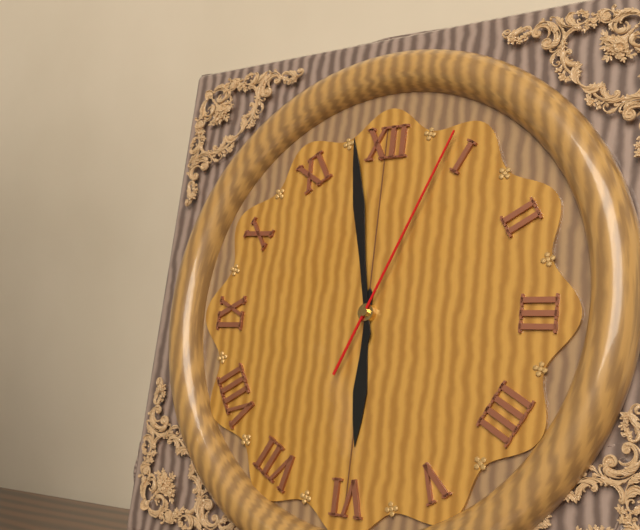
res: 5 h 58 min 04 s
